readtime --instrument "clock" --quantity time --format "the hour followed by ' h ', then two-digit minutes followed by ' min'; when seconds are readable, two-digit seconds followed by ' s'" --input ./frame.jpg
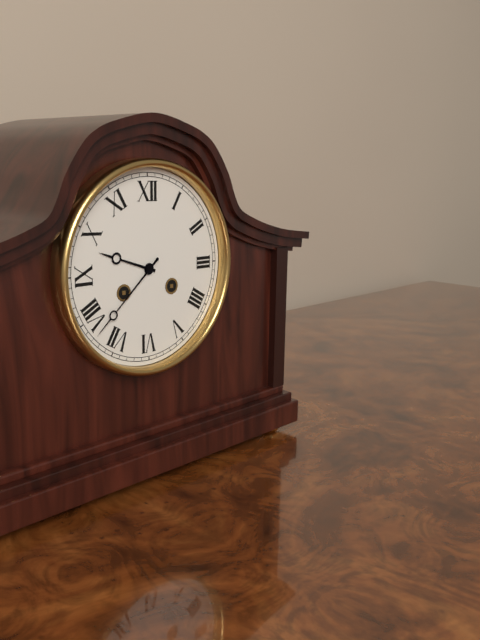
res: 9 h 38 min
